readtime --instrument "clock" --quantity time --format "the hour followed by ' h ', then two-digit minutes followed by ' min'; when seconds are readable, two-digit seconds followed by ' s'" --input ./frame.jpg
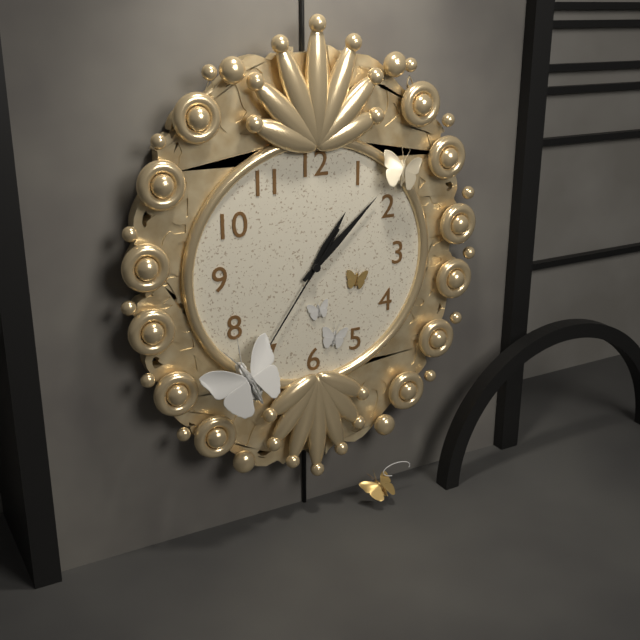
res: 1 h 08 min 36 s
